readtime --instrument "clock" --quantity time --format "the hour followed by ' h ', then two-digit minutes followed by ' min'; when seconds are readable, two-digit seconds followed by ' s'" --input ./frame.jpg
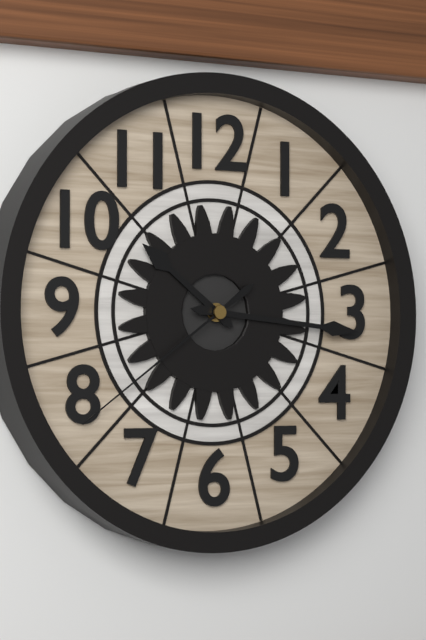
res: 10 h 16 min 39 s
